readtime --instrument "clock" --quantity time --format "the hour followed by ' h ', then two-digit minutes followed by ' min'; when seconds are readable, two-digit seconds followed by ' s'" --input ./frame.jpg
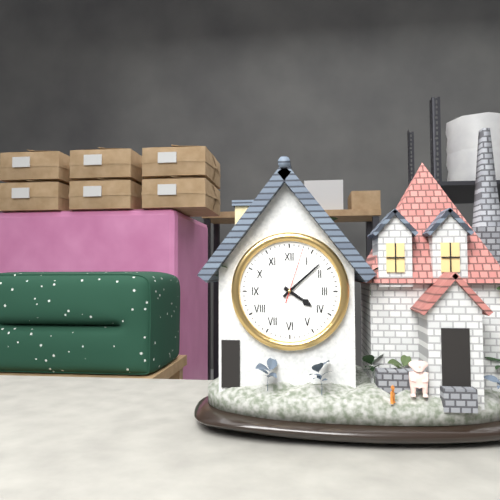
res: 4 h 08 min 03 s
